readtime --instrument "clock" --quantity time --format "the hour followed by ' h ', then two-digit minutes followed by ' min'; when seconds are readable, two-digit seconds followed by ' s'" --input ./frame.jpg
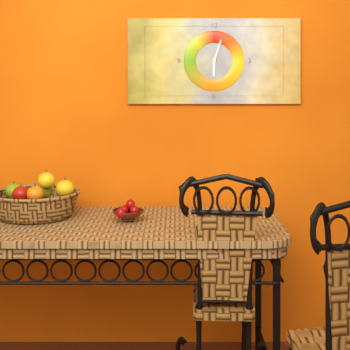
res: 6 h 03 min
